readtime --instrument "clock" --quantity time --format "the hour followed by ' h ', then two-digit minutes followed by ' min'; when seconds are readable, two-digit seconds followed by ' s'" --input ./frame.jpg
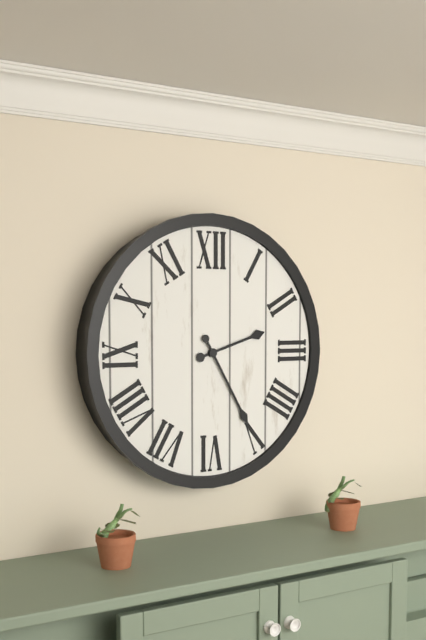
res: 2 h 25 min
